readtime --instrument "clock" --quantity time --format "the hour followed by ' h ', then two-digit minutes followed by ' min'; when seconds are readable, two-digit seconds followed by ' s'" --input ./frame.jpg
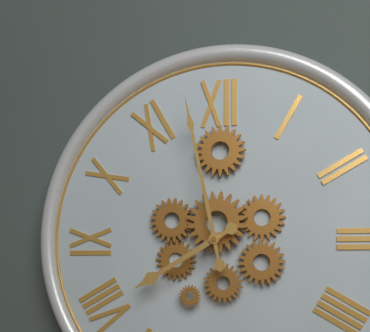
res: 7 h 58 min
